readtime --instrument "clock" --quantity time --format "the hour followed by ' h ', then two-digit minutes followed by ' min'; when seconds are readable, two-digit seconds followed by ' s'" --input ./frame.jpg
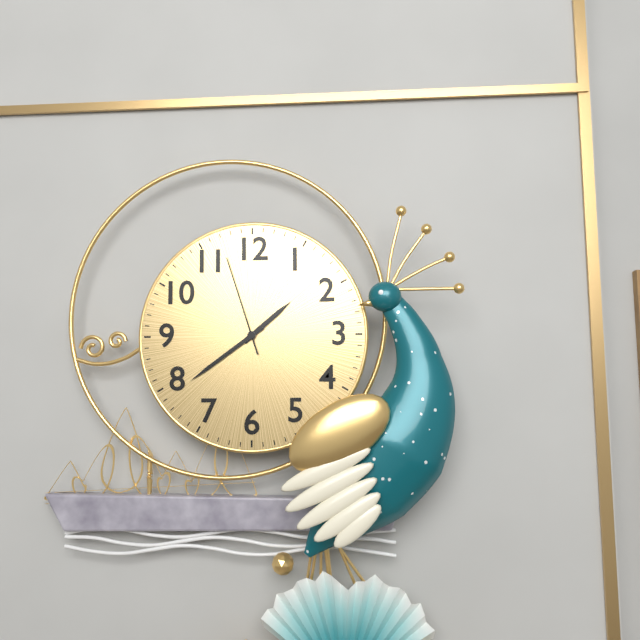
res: 1 h 39 min 57 s
